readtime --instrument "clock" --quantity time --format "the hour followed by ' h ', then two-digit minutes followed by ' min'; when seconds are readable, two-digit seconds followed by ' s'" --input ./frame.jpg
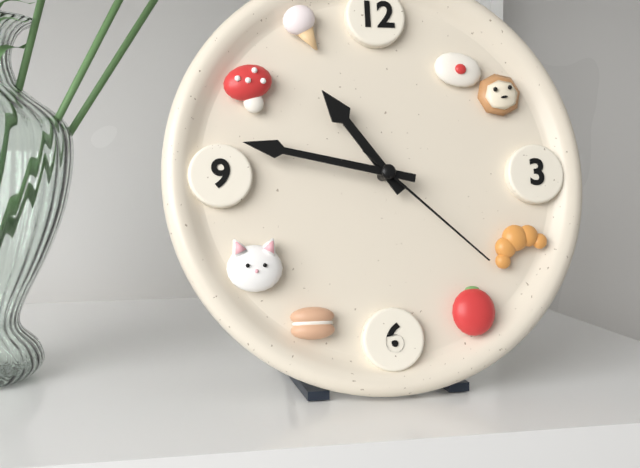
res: 10 h 47 min 22 s
